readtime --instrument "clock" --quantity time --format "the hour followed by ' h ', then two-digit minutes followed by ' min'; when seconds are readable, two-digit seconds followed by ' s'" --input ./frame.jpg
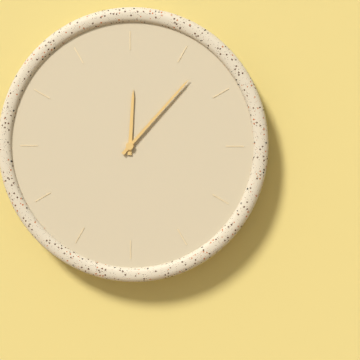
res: 12 h 07 min
